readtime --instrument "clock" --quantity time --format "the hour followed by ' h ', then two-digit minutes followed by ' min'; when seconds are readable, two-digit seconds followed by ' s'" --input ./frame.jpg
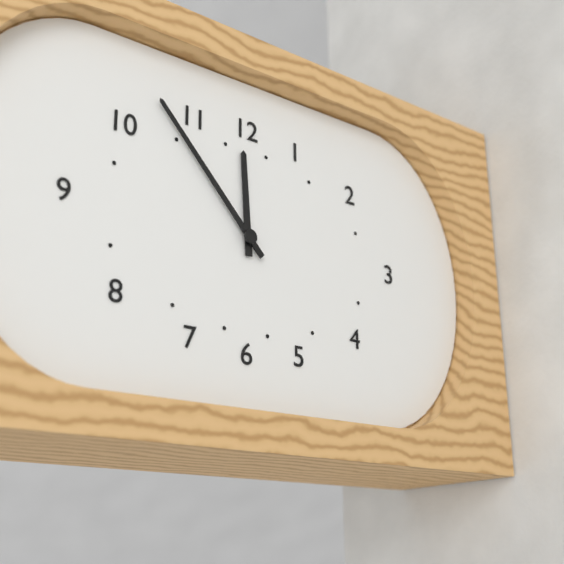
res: 11 h 53 min
